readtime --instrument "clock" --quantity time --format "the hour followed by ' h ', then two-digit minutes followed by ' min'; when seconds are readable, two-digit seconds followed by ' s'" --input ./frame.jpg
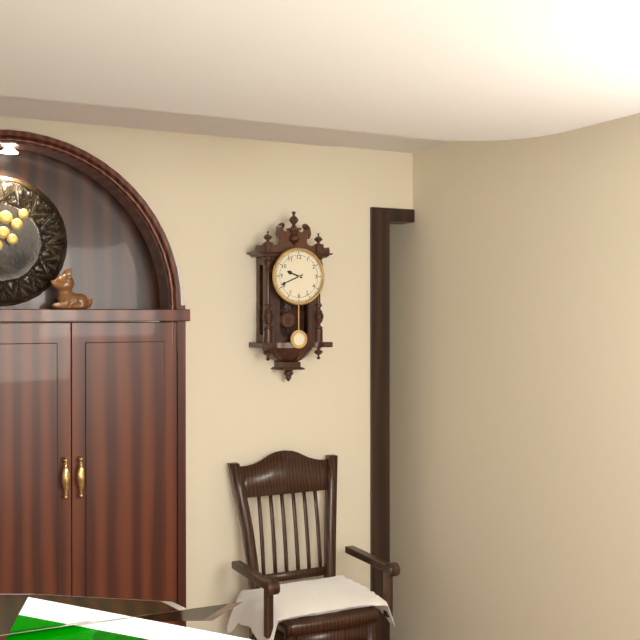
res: 9 h 41 min
